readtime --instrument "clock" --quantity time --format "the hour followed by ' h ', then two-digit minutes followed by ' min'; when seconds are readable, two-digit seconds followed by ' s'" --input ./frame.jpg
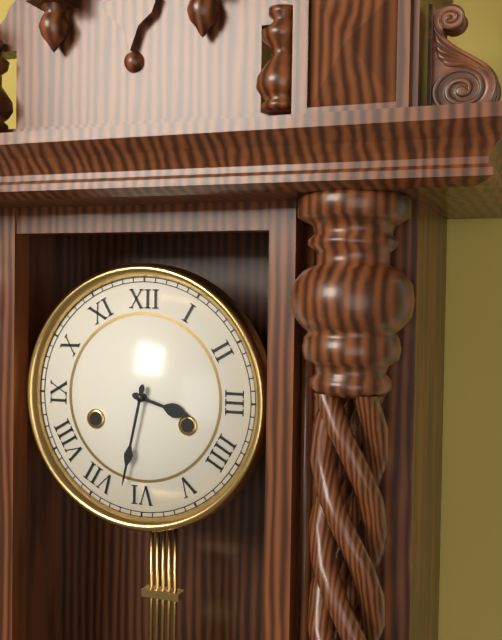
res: 3 h 32 min
